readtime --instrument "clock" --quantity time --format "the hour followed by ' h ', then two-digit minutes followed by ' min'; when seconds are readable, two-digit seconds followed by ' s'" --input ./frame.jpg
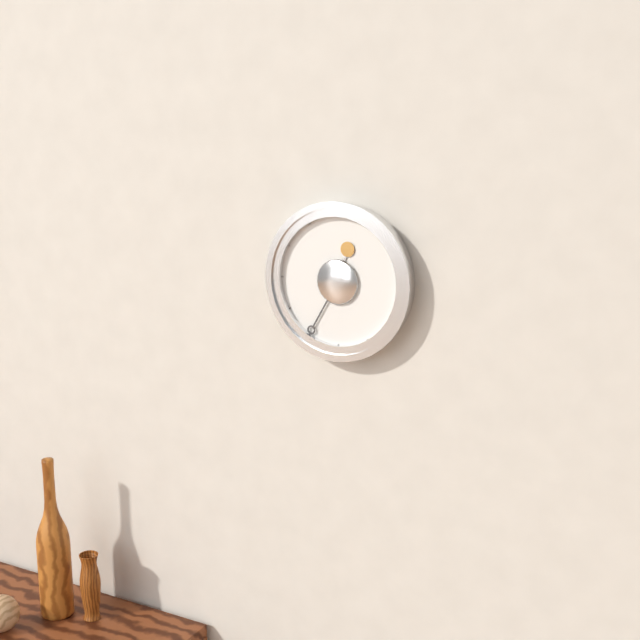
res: 12 h 35 min
